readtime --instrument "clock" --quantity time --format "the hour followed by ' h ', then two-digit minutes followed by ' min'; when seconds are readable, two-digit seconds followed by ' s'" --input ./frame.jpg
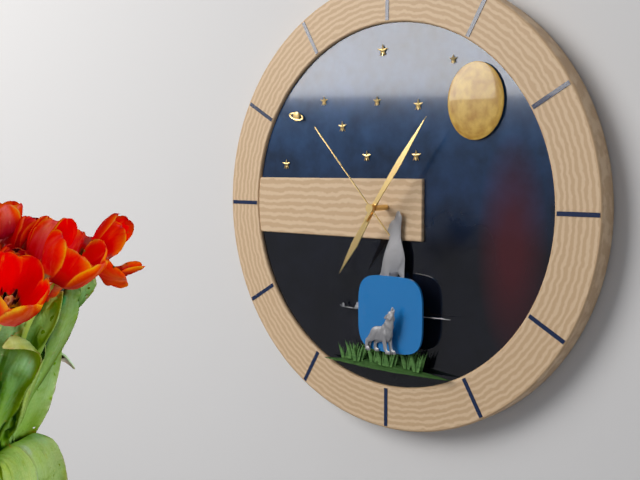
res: 7 h 06 min 53 s
